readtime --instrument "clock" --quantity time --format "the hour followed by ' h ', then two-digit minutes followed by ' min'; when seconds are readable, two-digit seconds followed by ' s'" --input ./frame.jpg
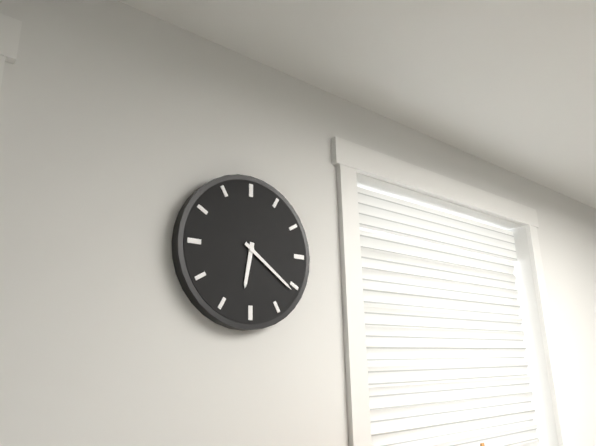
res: 6 h 21 min
